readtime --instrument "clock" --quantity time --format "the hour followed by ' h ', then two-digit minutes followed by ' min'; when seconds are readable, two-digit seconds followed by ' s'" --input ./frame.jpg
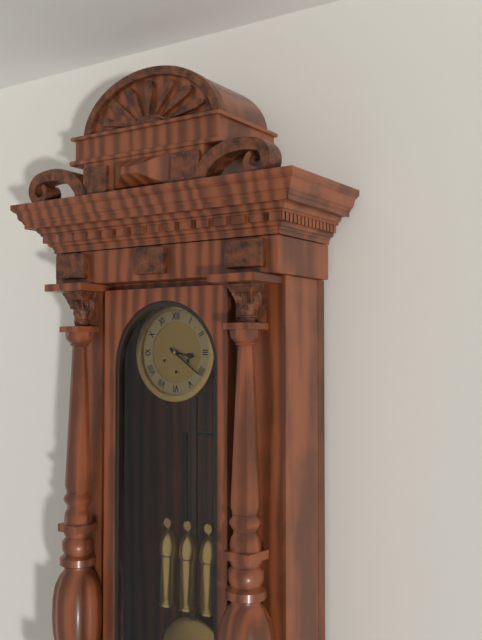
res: 3 h 21 min
